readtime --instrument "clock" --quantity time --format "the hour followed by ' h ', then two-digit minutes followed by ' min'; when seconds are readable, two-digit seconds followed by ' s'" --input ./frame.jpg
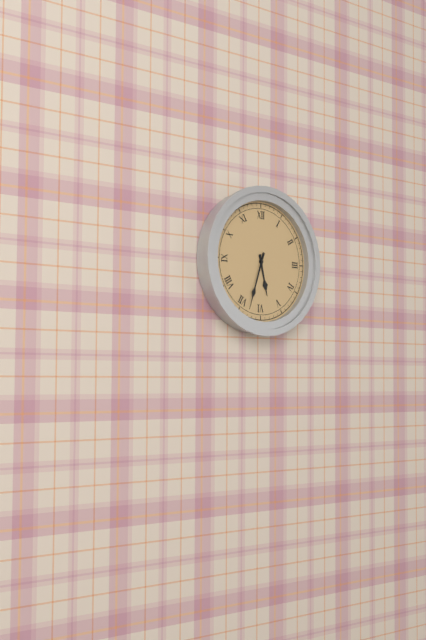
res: 5 h 33 min
